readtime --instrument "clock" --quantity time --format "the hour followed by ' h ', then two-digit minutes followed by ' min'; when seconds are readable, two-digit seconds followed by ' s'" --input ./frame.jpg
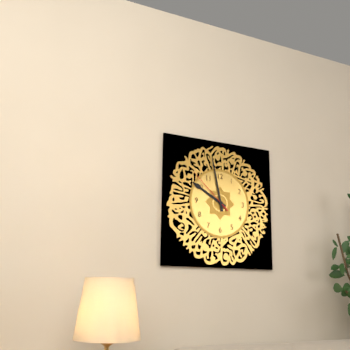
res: 9 h 58 min 52 s
